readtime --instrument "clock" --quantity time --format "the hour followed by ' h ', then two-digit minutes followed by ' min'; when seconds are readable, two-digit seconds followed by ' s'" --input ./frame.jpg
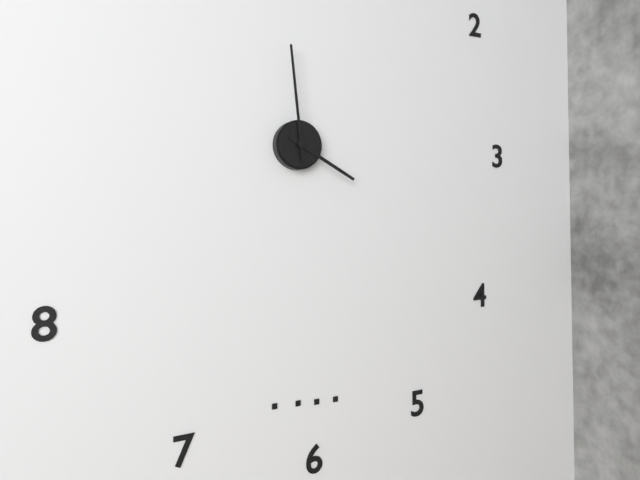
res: 3 h 59 min
